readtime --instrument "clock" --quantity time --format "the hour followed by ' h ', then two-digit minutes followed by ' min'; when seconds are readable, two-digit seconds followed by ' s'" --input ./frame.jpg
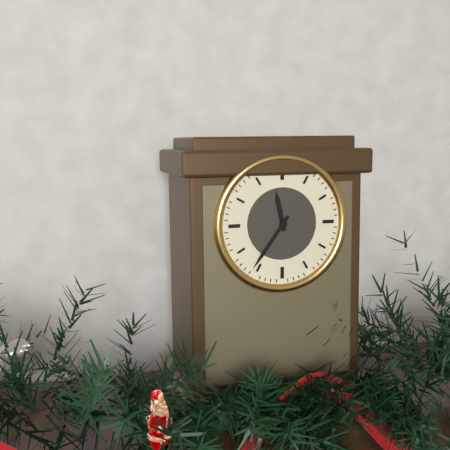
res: 11 h 36 min
